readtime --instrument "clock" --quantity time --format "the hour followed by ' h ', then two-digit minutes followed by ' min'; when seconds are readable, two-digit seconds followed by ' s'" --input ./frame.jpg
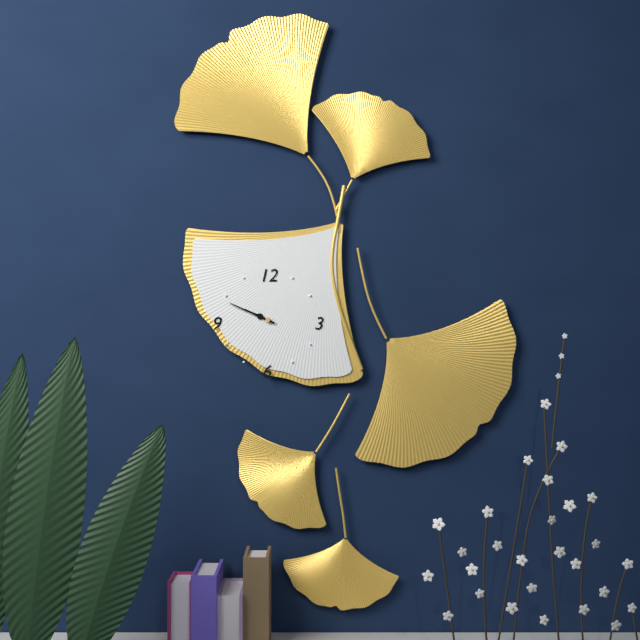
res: 9 h 49 min
